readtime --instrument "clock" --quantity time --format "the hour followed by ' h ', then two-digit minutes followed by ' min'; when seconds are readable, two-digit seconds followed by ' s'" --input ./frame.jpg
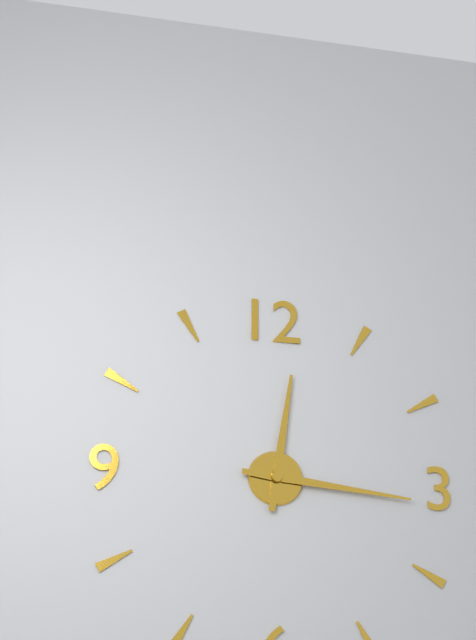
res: 12 h 16 min
